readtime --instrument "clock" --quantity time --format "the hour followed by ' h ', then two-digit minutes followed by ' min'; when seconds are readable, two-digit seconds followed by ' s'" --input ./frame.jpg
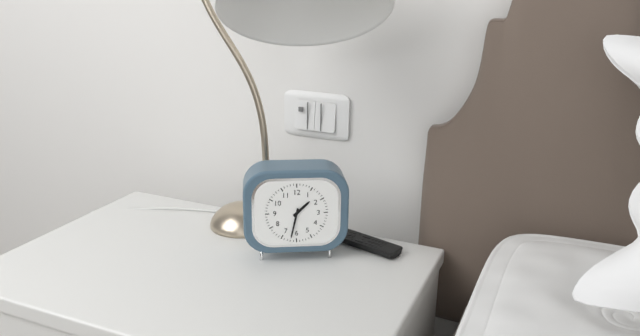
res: 1 h 32 min
